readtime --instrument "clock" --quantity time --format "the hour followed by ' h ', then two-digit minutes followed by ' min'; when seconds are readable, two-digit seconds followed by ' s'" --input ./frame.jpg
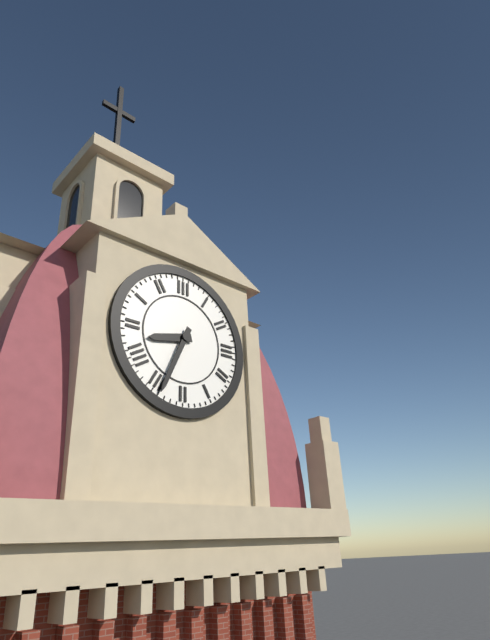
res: 8 h 34 min
